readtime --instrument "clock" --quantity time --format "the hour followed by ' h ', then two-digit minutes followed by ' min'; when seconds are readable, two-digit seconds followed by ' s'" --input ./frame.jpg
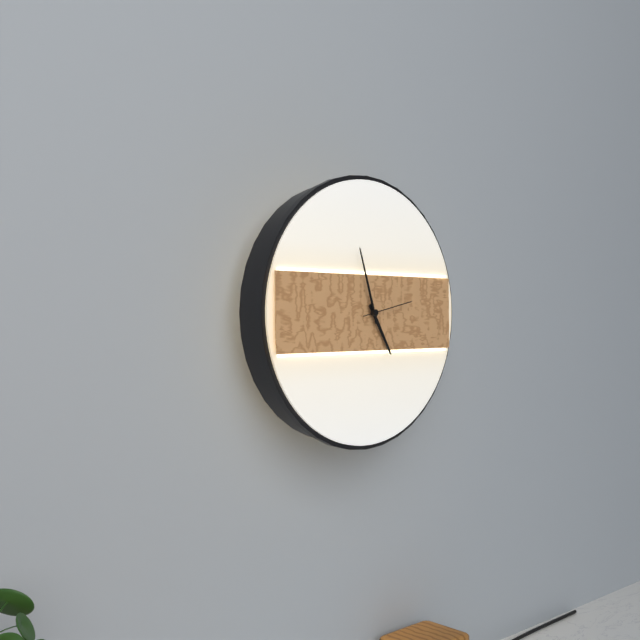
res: 4 h 57 min
